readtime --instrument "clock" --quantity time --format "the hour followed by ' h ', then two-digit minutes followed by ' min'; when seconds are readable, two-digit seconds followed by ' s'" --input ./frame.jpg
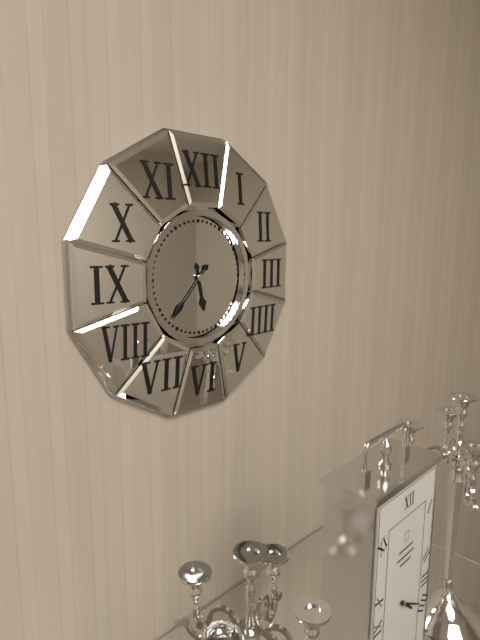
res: 5 h 37 min
